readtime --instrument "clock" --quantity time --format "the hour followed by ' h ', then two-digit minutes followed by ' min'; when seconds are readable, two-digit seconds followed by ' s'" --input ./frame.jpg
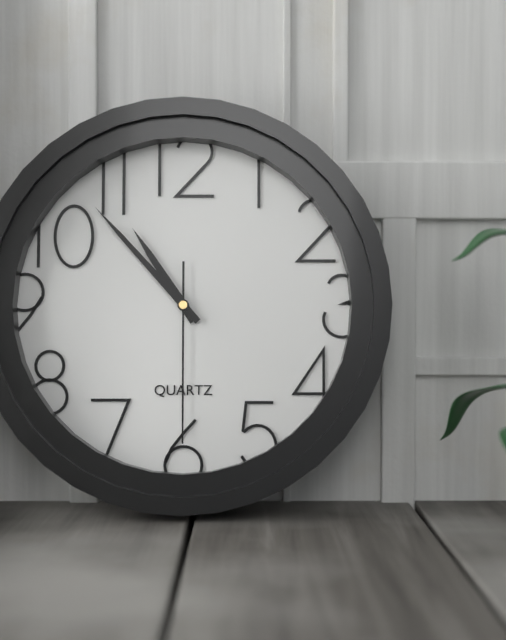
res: 10 h 53 min 30 s
